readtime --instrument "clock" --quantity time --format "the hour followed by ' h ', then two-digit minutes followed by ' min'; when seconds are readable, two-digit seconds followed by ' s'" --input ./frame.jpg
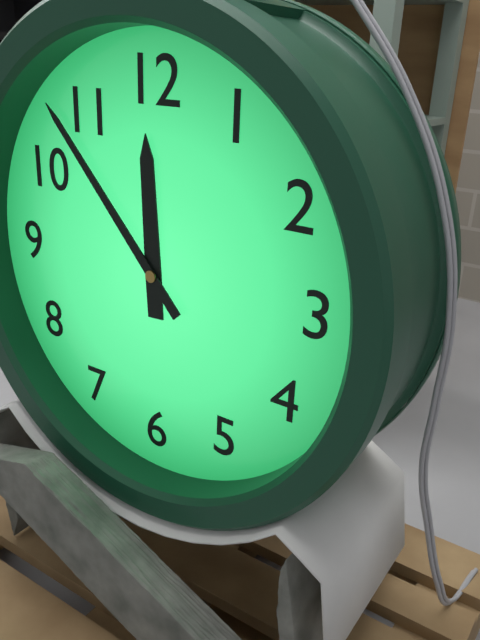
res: 11 h 53 min
